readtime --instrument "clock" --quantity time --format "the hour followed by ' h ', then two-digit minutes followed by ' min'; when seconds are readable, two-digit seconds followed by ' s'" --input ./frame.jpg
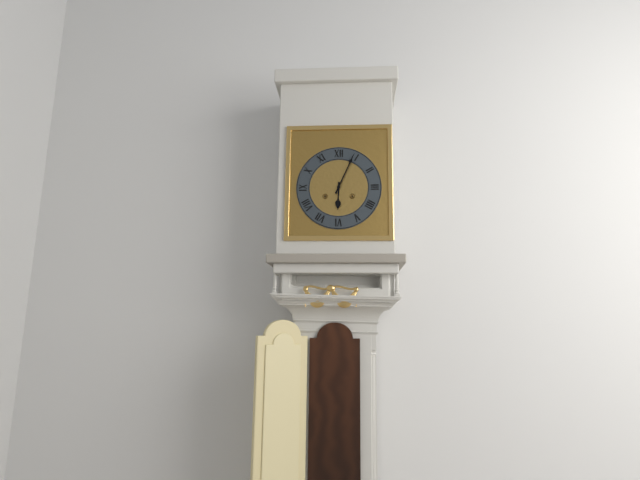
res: 6 h 04 min
